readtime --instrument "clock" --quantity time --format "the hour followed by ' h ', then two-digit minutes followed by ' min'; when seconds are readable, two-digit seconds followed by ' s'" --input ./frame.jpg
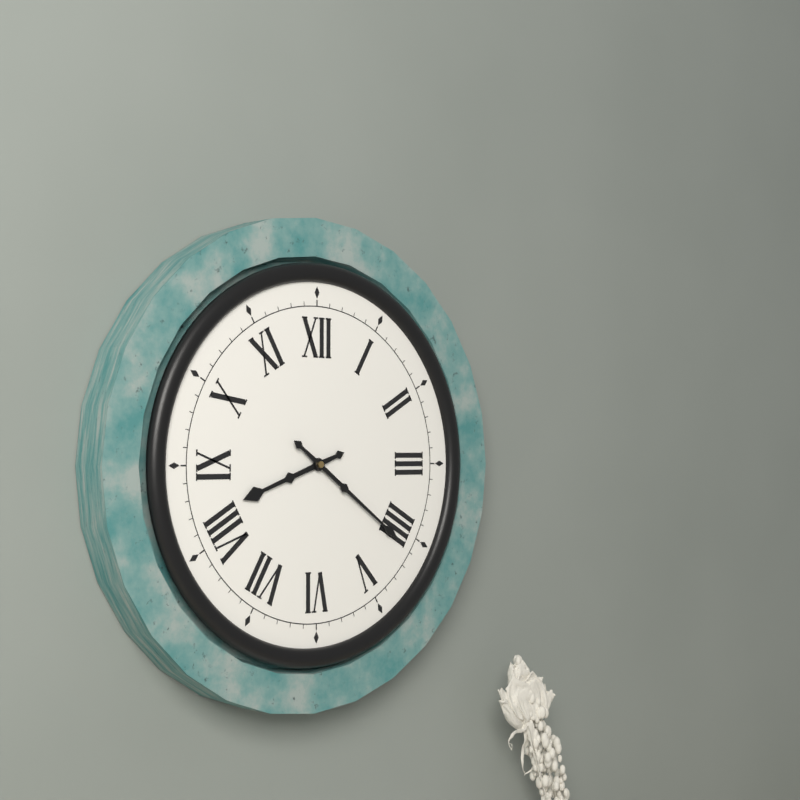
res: 8 h 21 min
